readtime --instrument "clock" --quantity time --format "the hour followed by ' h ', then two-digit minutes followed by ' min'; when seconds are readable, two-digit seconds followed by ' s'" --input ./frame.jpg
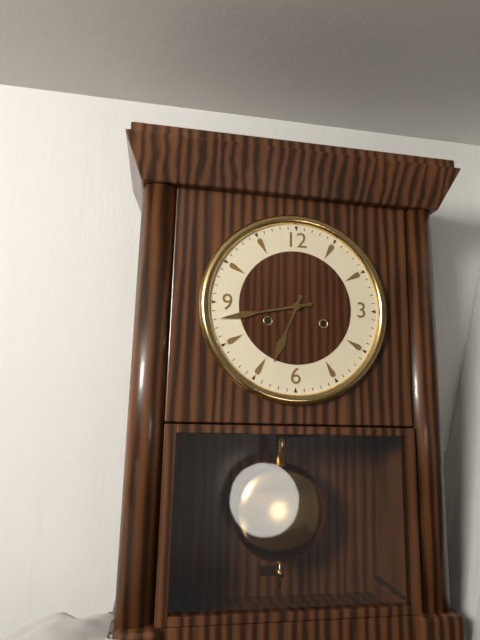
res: 6 h 43 min
